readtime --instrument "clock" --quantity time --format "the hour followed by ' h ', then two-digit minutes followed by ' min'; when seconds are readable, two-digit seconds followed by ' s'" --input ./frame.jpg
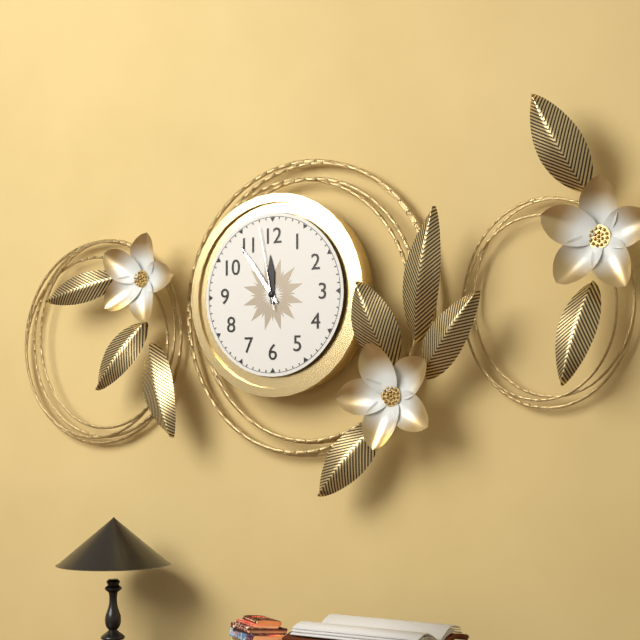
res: 11 h 54 min 58 s
